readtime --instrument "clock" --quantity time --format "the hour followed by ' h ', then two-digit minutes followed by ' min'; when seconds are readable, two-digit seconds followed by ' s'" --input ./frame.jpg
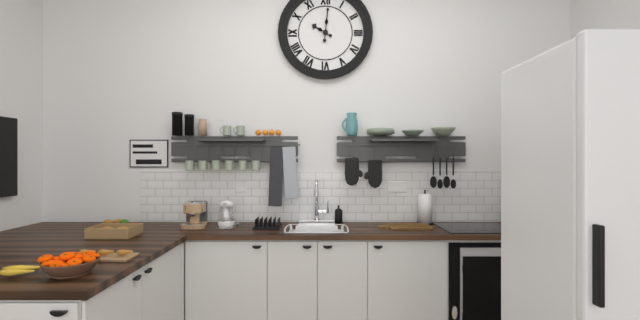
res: 10 h 01 min
